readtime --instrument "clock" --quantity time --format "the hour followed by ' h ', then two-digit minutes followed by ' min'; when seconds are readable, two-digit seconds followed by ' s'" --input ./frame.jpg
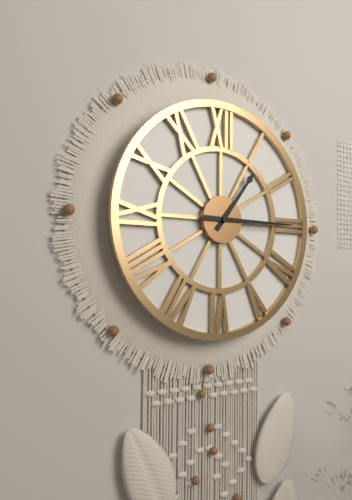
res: 1 h 15 min
